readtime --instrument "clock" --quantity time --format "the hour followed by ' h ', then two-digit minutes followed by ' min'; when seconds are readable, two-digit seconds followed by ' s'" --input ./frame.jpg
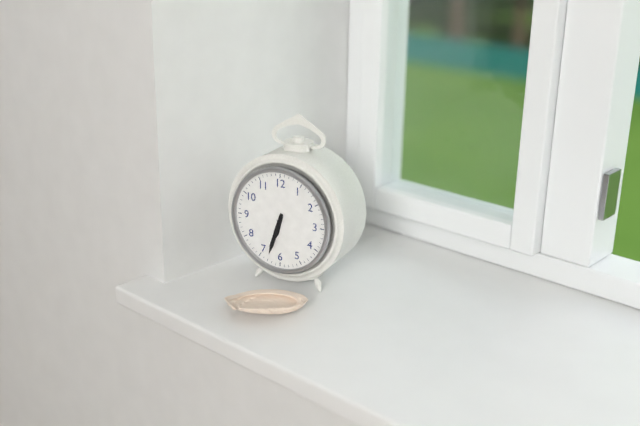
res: 6 h 33 min
